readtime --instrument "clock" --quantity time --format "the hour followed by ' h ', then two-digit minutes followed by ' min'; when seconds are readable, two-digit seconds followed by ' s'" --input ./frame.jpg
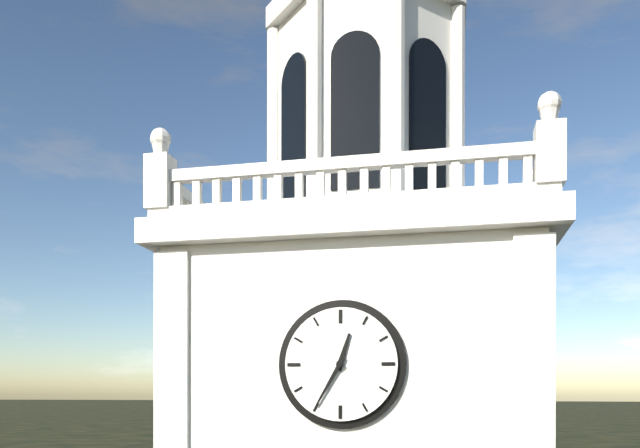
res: 12 h 35 min
